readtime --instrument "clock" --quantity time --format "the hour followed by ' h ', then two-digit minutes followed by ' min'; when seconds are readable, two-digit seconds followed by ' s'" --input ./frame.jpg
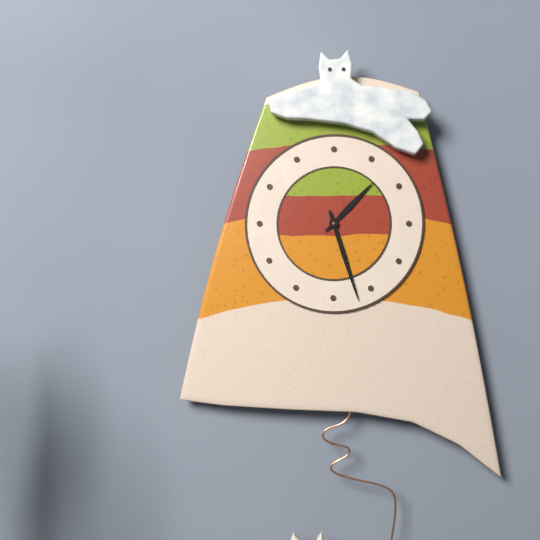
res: 1 h 27 min
